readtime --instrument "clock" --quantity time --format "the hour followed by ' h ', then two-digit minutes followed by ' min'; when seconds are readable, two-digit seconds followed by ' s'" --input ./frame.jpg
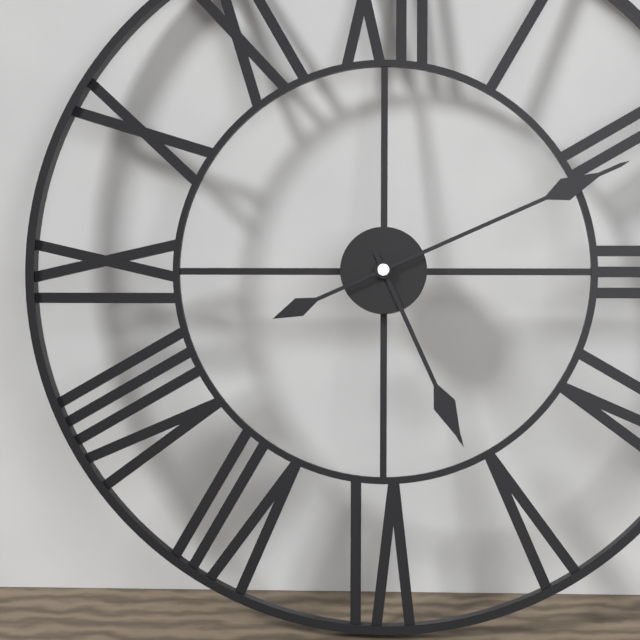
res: 5 h 11 min
